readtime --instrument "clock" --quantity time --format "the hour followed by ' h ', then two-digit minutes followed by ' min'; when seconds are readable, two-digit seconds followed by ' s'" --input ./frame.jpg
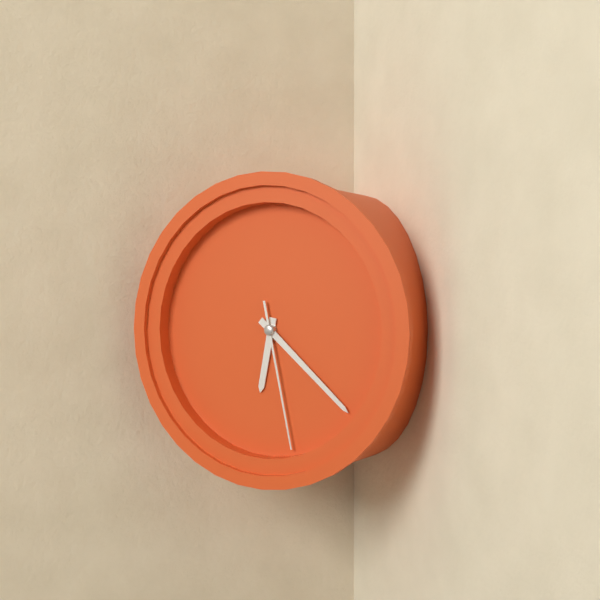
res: 6 h 22 min 28 s
